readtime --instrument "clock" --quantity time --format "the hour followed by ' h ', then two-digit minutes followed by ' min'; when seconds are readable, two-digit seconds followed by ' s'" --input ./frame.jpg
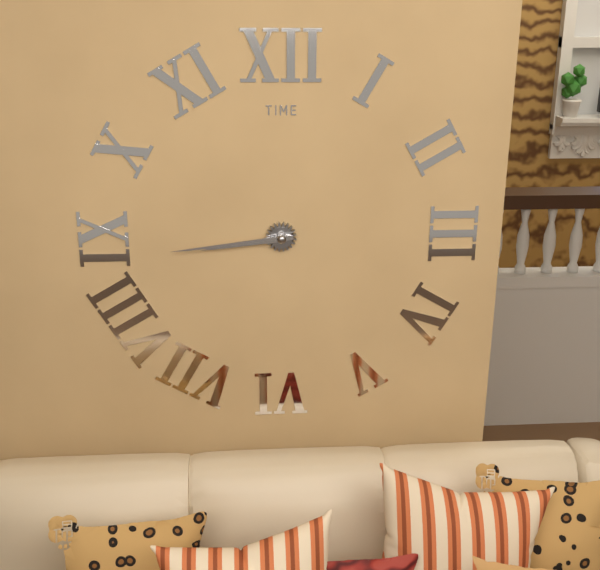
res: 8 h 44 min
